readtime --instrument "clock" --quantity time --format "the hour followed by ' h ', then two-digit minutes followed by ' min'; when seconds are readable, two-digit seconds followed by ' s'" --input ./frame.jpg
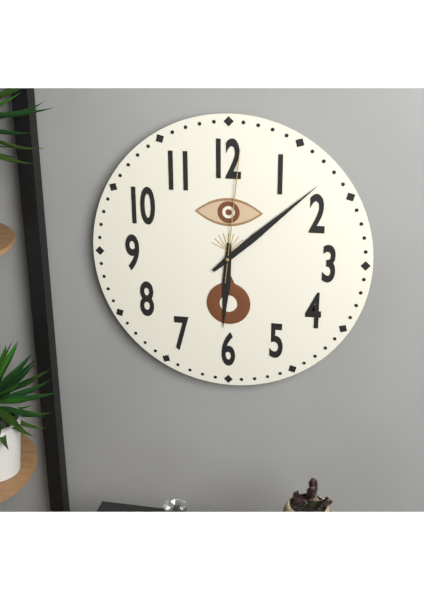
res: 6 h 08 min 01 s
